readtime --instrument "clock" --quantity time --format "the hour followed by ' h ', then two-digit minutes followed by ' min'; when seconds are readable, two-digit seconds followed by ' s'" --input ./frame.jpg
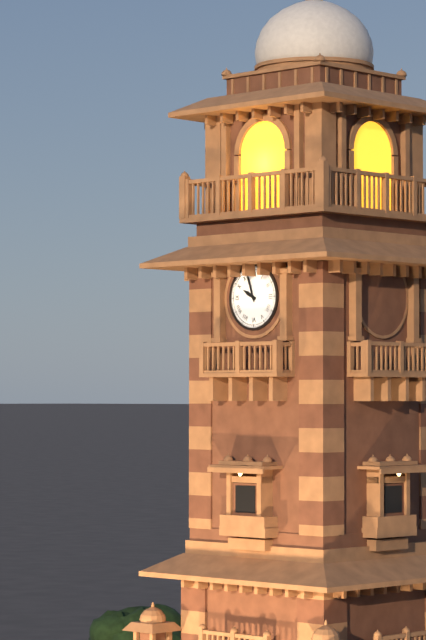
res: 9 h 57 min
